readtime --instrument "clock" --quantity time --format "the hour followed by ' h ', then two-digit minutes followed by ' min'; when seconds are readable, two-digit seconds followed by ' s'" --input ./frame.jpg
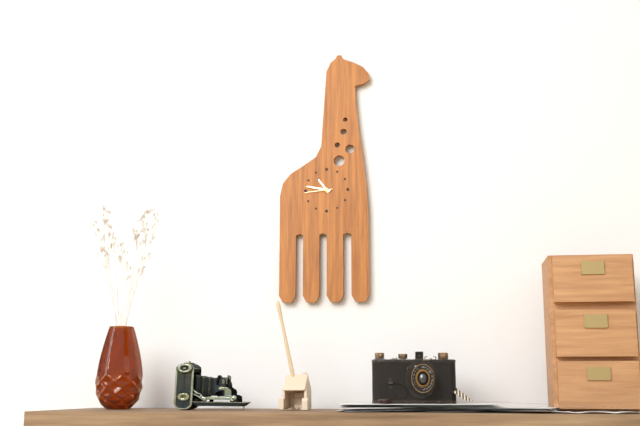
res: 10 h 47 min
